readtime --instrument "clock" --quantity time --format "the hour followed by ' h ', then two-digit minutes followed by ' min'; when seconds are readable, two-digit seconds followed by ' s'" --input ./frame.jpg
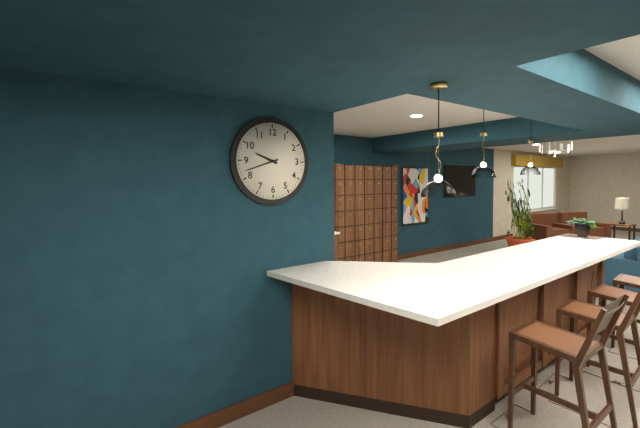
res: 9 h 42 min
